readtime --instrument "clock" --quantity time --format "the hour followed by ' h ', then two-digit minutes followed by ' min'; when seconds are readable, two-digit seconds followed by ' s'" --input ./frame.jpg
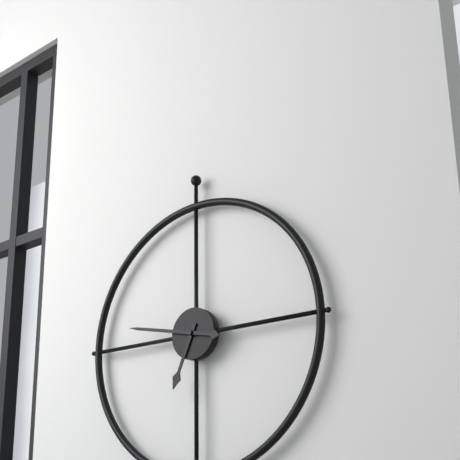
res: 6 h 47 min
